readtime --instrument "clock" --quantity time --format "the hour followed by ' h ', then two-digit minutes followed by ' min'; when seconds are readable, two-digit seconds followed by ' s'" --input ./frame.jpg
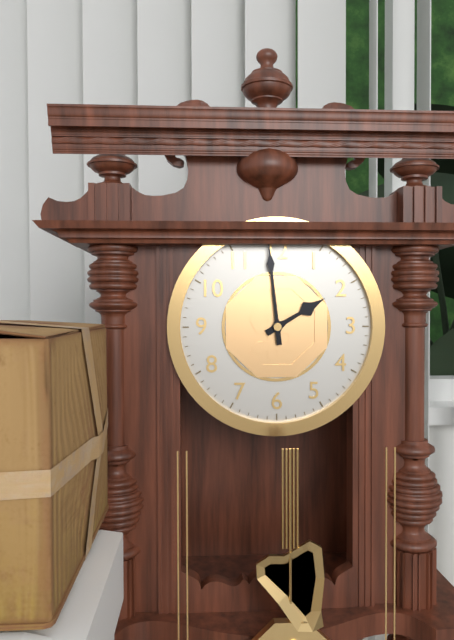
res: 1 h 59 min
